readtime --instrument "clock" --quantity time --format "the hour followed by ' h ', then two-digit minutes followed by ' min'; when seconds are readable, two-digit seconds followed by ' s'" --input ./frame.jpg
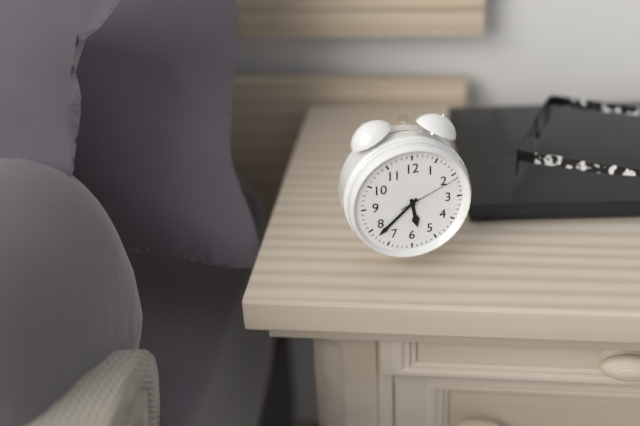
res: 5 h 38 min 11 s
